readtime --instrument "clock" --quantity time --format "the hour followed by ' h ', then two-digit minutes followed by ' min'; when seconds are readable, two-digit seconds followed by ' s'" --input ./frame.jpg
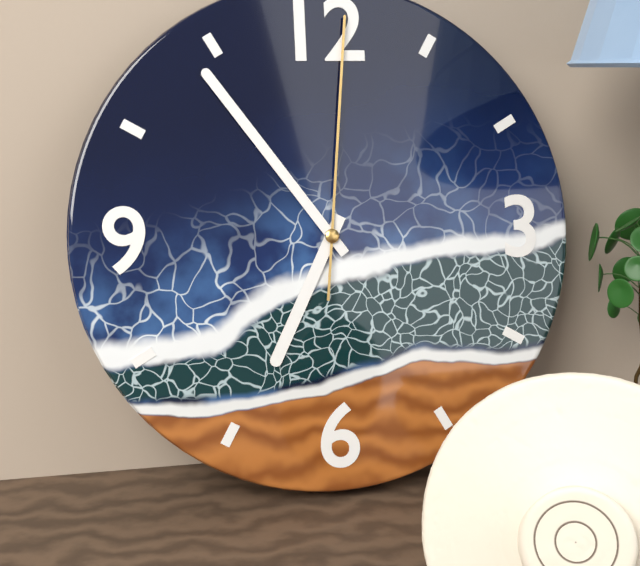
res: 6 h 54 min 01 s
